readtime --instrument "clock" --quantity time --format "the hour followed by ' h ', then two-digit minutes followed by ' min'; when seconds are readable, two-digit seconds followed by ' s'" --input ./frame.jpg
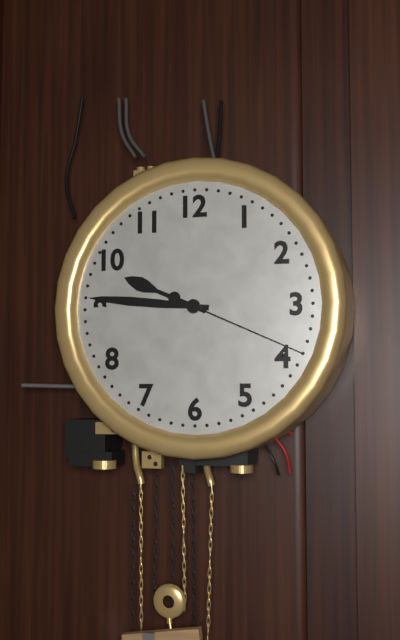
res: 9 h 46 min 19 s
